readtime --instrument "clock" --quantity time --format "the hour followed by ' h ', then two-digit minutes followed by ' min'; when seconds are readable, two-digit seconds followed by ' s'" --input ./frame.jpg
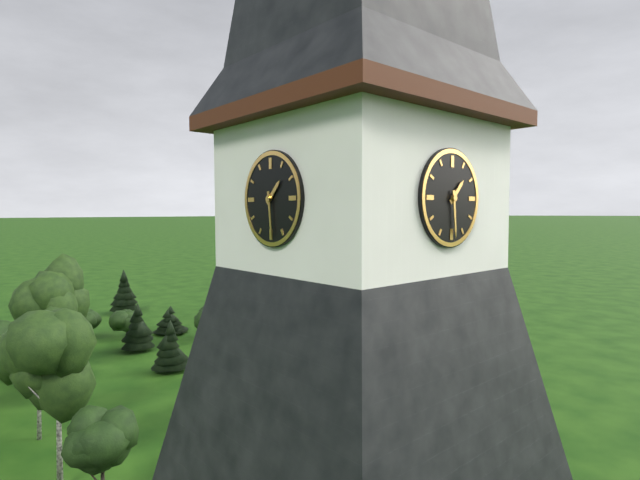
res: 1 h 29 min
